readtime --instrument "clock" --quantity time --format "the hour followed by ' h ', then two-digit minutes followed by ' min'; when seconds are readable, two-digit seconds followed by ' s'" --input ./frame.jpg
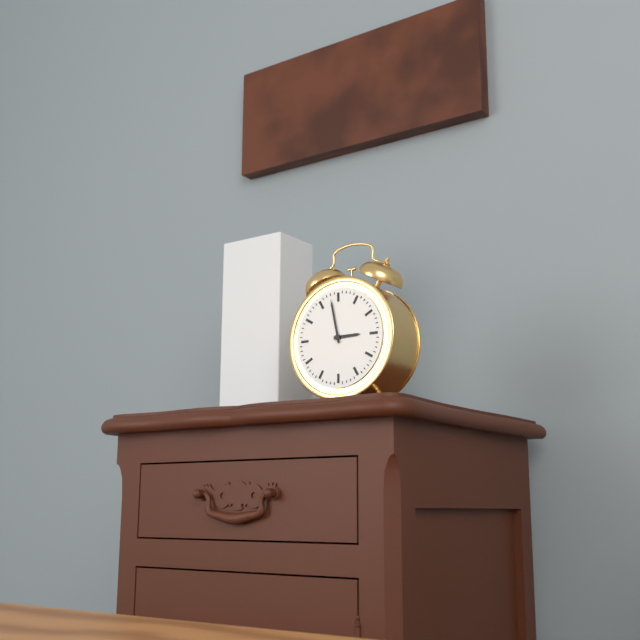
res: 2 h 58 min
